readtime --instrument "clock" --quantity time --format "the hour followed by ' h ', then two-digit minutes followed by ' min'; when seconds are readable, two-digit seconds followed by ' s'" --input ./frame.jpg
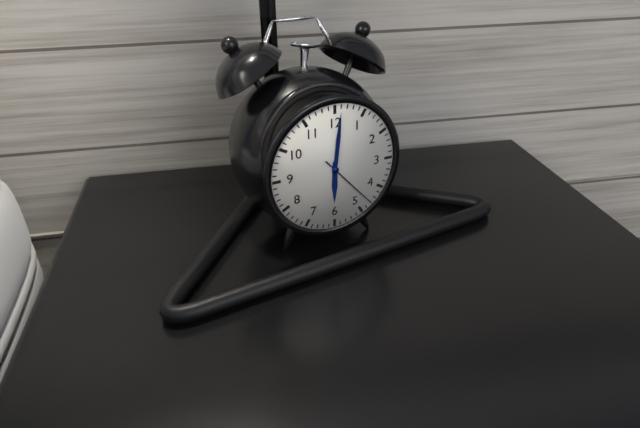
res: 6 h 01 min 23 s
